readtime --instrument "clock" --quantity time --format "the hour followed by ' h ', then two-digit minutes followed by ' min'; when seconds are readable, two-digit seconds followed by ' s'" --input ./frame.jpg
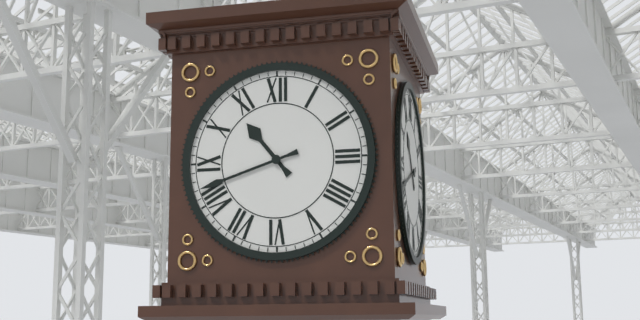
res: 10 h 42 min
